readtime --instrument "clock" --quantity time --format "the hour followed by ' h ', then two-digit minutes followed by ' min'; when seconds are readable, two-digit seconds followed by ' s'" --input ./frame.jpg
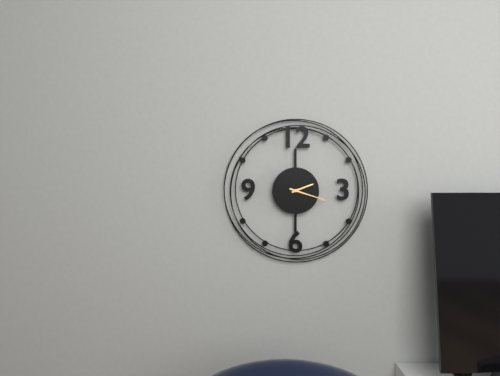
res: 2 h 18 min
